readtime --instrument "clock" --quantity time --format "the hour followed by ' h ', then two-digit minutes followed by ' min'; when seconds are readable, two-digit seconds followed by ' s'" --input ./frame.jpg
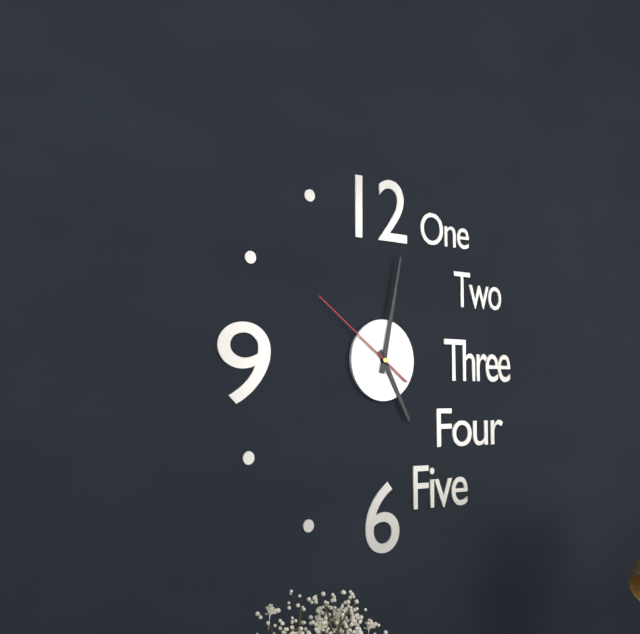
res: 5 h 02 min 51 s
